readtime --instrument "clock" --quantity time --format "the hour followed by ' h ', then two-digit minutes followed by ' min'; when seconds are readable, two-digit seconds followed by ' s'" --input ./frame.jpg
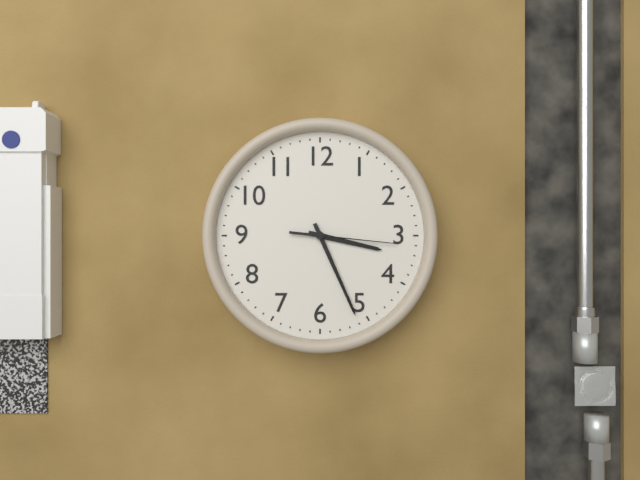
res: 3 h 26 min 16 s
